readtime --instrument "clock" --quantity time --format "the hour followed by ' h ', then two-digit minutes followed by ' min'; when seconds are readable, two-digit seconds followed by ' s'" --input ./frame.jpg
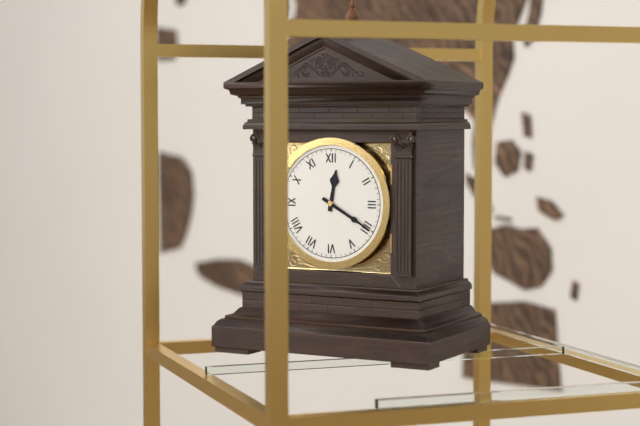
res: 12 h 20 min
